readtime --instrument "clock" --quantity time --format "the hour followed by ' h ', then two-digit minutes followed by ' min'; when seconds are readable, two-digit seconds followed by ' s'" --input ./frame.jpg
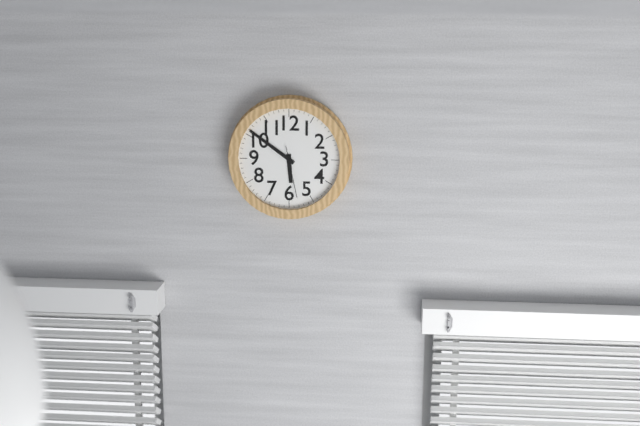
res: 5 h 51 min
